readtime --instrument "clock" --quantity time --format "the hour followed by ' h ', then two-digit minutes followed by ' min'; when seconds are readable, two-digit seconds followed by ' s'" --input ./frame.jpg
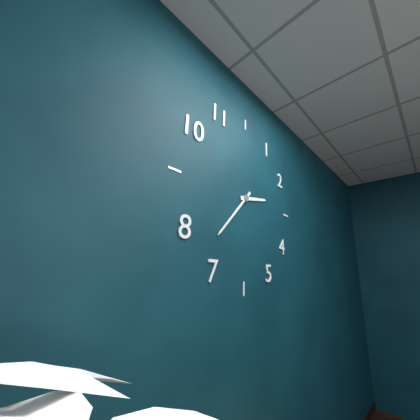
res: 2 h 37 min
